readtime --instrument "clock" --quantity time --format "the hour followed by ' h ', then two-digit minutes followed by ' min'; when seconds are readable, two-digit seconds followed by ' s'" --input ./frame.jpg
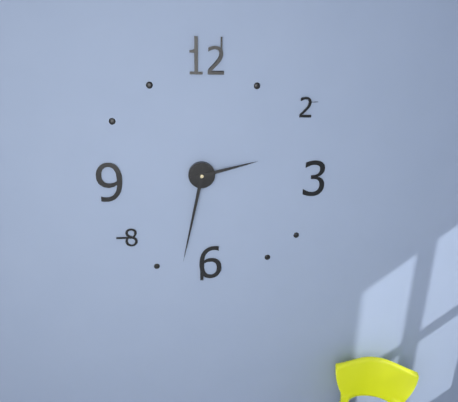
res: 2 h 32 min
